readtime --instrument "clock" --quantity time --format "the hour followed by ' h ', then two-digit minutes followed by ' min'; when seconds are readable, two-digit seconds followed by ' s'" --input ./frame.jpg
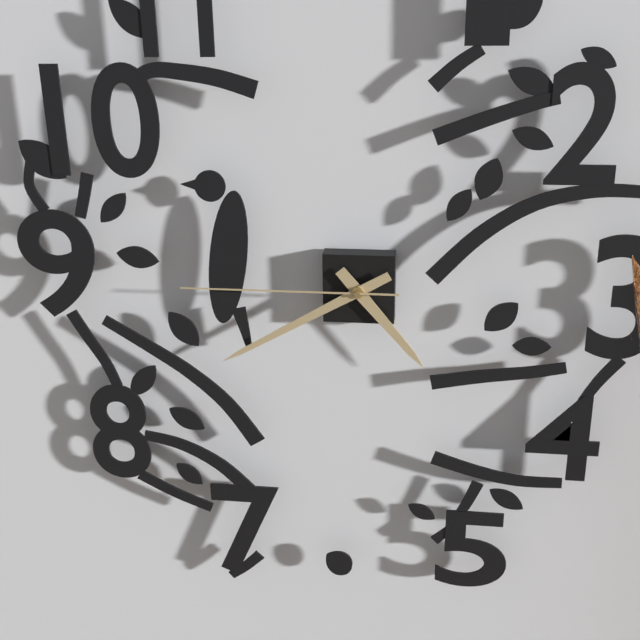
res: 4 h 40 min 45 s
